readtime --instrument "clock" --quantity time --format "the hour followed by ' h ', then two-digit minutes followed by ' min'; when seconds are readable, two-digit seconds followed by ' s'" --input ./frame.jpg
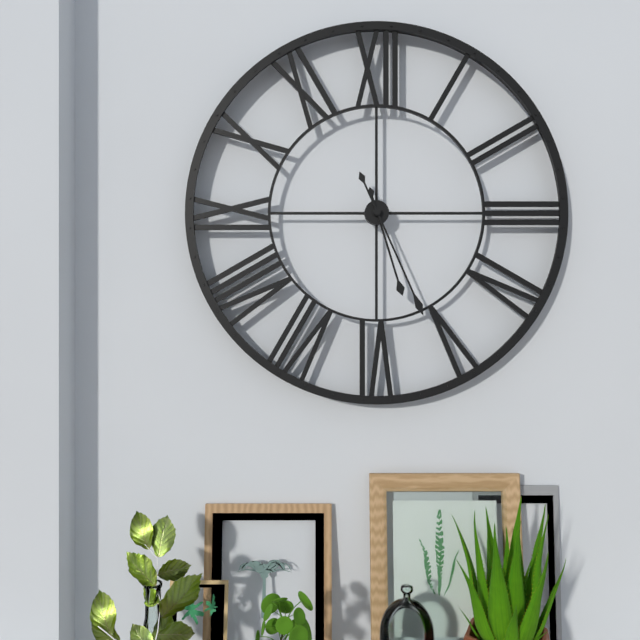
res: 5 h 26 min
